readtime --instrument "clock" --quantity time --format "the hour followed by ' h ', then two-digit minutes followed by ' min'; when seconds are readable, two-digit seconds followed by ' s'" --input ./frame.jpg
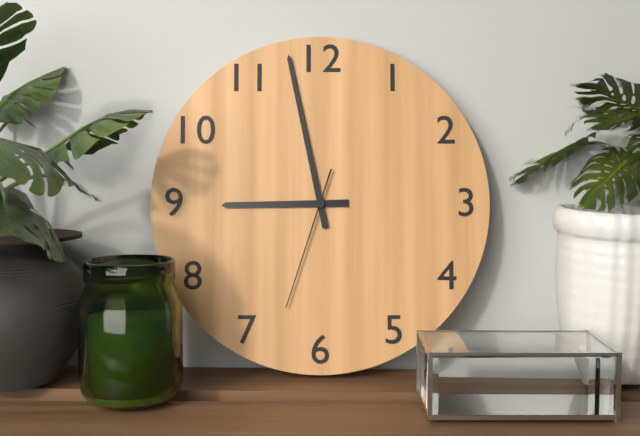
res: 8 h 58 min 33 s
